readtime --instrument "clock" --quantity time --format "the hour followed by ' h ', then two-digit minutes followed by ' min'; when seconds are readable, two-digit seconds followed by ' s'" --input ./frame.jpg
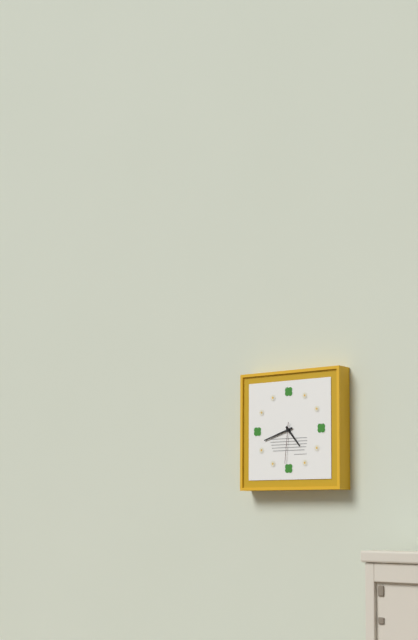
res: 4 h 42 min
